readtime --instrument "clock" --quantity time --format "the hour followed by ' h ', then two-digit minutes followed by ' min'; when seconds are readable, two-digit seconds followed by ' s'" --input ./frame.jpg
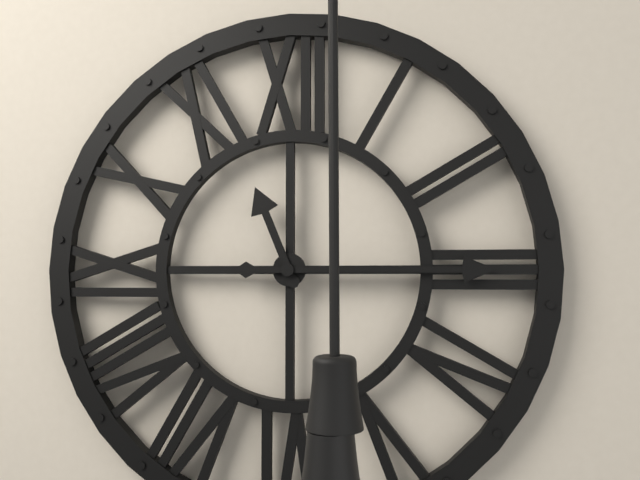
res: 11 h 15 min
